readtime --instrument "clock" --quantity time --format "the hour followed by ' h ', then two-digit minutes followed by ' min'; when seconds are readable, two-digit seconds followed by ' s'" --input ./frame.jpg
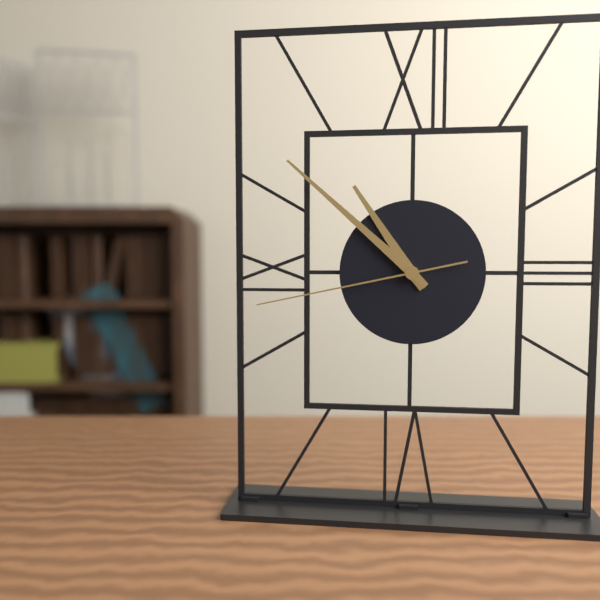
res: 10 h 52 min 43 s
